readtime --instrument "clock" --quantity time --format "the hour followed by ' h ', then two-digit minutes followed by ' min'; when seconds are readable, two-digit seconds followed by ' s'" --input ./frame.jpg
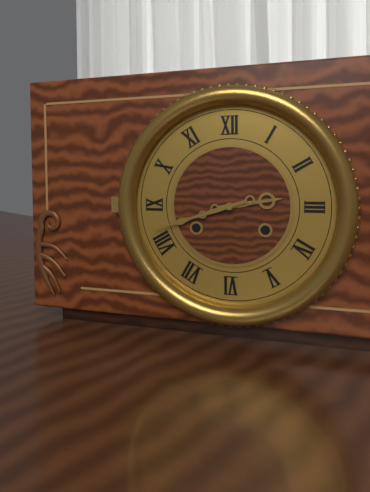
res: 2 h 42 min
